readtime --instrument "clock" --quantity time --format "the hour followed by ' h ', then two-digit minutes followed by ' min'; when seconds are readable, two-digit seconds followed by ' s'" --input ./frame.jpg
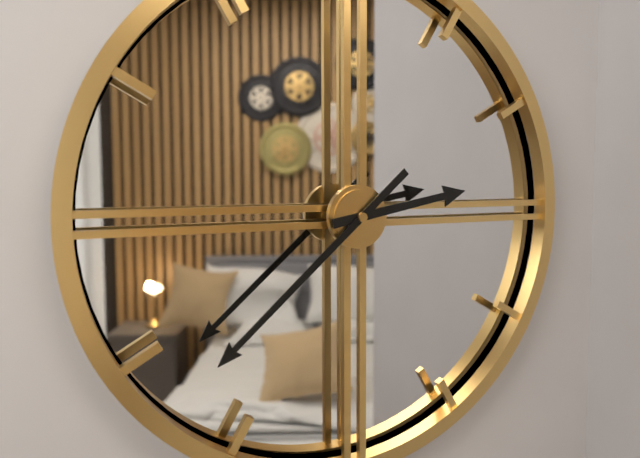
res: 2 h 38 min
